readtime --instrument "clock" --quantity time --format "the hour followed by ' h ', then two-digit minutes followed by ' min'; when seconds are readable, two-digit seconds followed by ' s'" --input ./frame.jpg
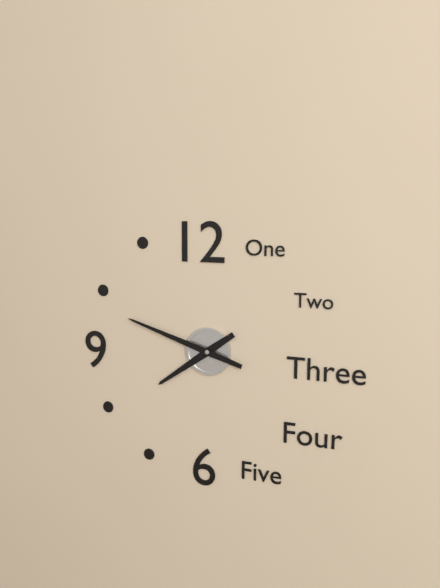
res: 7 h 48 min
